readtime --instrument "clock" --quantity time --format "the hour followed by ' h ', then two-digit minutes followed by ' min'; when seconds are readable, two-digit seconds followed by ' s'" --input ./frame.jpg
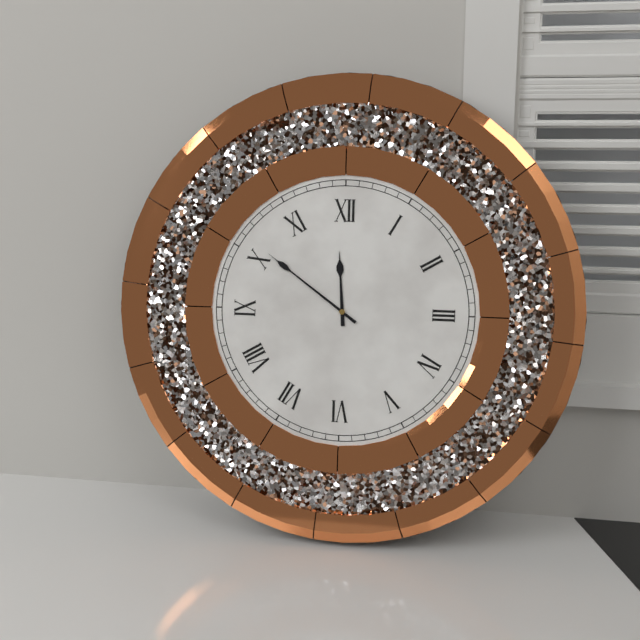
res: 11 h 51 min
